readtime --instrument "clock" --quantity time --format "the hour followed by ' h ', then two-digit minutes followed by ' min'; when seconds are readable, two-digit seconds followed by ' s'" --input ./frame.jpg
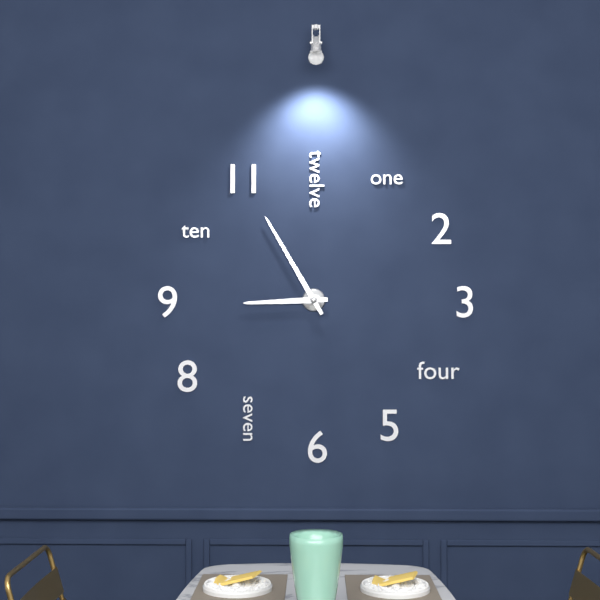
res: 8 h 55 min
